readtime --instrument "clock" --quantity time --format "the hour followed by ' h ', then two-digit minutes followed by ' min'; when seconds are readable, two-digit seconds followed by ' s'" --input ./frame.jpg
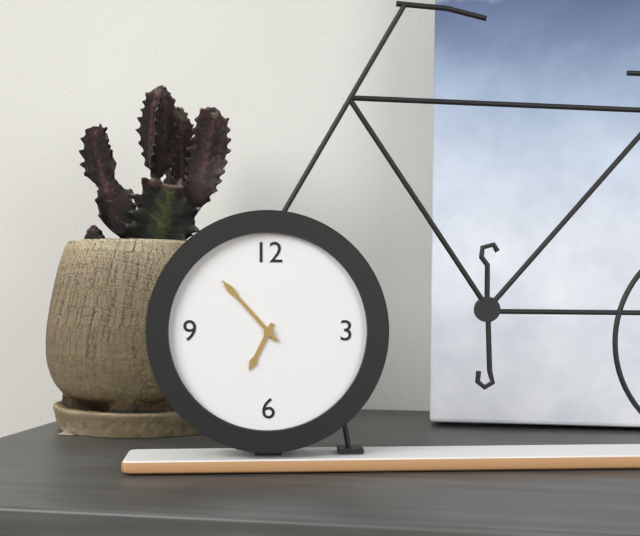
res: 6 h 53 min
